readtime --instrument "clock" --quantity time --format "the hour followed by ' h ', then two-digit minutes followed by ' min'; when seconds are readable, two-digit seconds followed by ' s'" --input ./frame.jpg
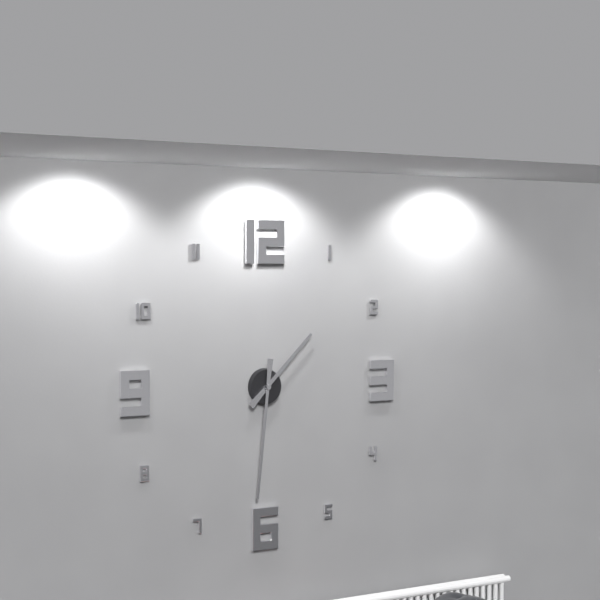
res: 1 h 31 min
